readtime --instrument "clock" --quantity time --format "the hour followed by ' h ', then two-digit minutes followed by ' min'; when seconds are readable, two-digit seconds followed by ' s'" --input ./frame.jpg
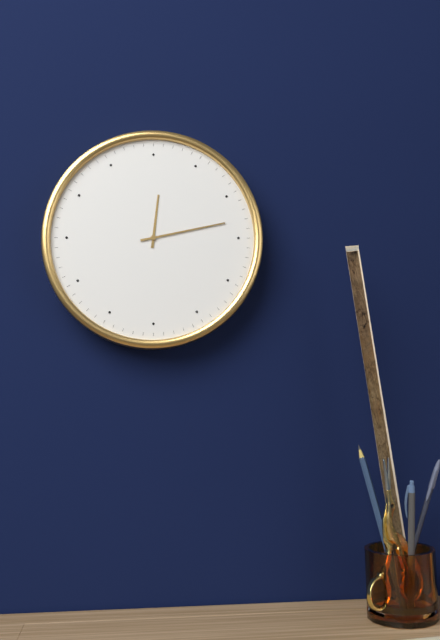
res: 12 h 13 min
